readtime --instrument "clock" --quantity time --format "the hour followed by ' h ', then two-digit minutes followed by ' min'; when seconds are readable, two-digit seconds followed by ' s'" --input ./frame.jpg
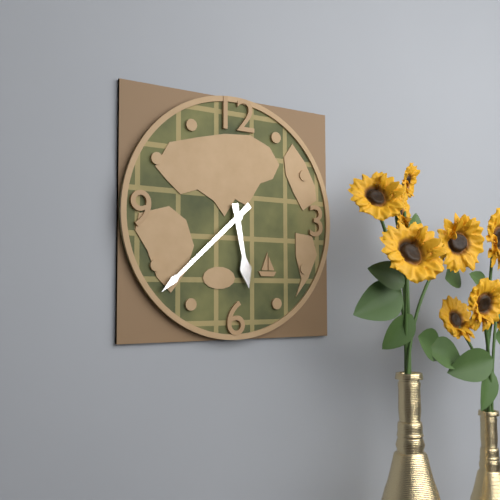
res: 5 h 38 min
